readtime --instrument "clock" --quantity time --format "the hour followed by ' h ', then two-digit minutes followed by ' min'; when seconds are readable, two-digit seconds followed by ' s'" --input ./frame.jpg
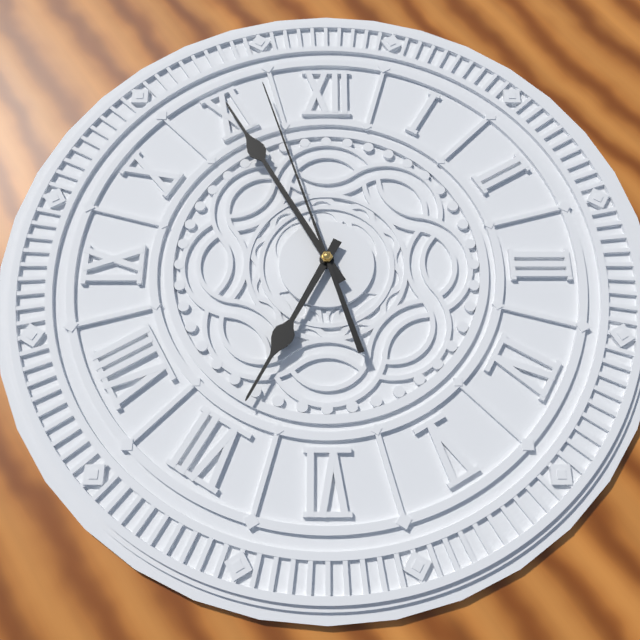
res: 6 h 55 min 57 s
